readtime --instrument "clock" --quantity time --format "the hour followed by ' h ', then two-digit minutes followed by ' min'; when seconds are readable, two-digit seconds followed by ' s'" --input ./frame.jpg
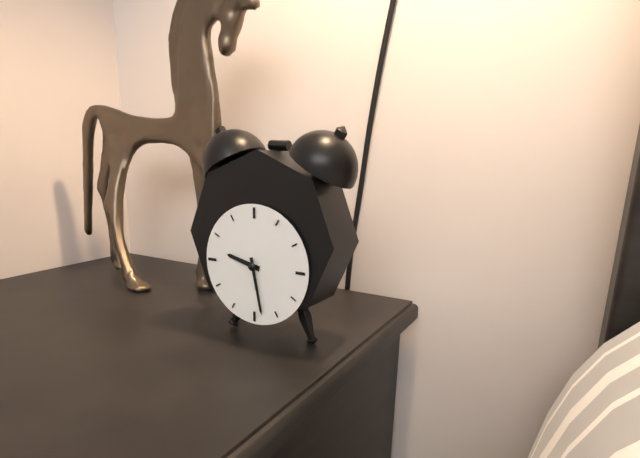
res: 9 h 28 min
